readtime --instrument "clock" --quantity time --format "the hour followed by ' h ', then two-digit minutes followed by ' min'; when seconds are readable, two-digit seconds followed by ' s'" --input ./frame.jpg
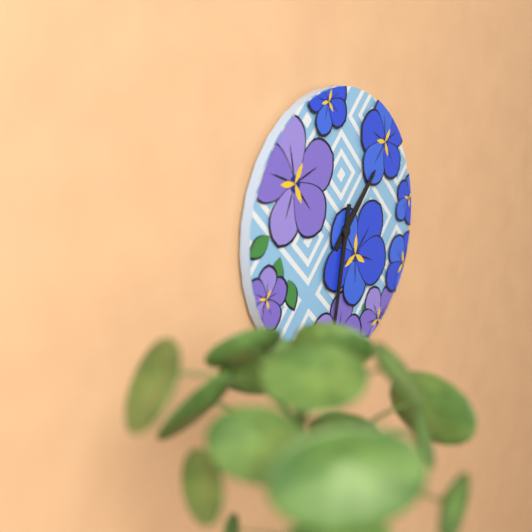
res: 1 h 32 min
